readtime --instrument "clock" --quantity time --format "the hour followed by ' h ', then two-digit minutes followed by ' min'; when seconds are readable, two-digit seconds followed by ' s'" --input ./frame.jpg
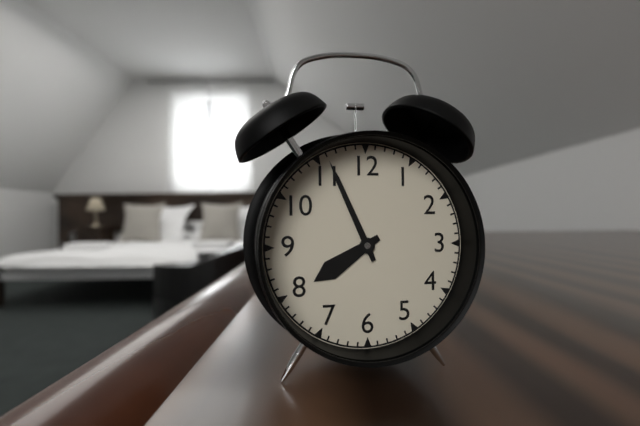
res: 7 h 56 min
